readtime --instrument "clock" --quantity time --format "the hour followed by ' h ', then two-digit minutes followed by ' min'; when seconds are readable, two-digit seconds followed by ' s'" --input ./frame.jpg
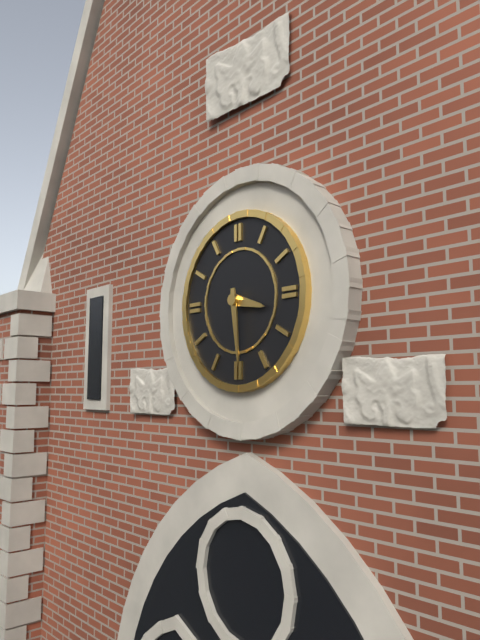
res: 3 h 29 min
